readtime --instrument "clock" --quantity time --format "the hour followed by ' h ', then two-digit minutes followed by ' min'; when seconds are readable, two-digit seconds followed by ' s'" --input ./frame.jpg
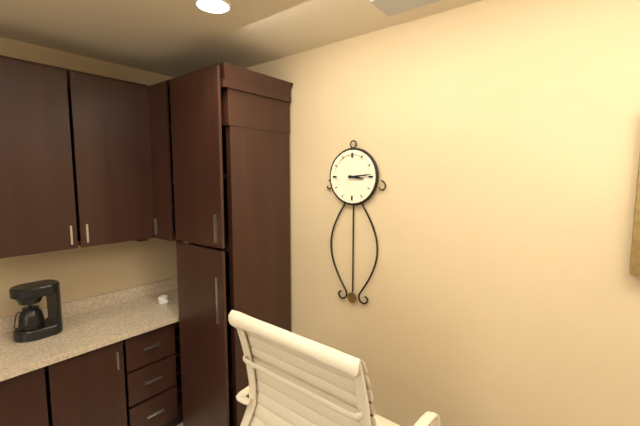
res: 3 h 14 min
